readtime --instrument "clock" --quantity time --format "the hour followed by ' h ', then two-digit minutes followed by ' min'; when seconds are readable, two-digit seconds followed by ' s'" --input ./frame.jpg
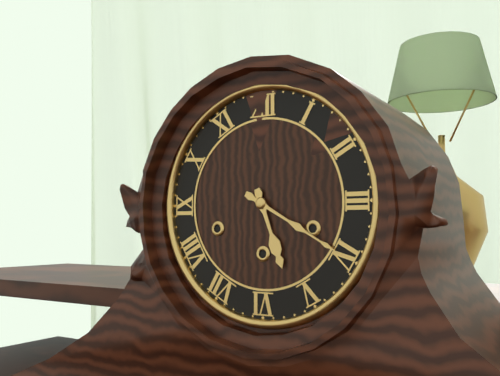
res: 5 h 20 min
